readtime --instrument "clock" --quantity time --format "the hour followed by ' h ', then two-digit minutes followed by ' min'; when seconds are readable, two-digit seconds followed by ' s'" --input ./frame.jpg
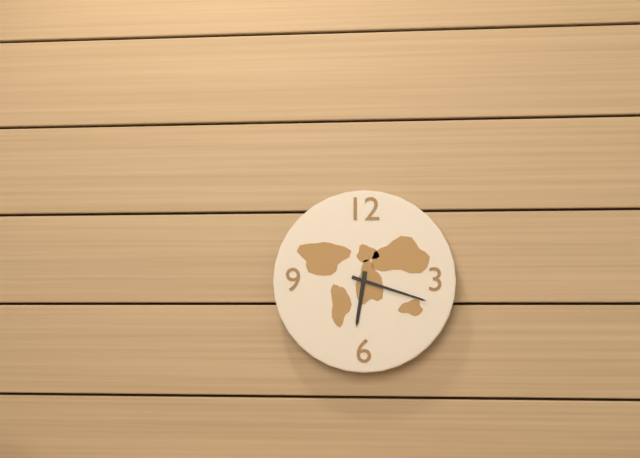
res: 6 h 18 min
